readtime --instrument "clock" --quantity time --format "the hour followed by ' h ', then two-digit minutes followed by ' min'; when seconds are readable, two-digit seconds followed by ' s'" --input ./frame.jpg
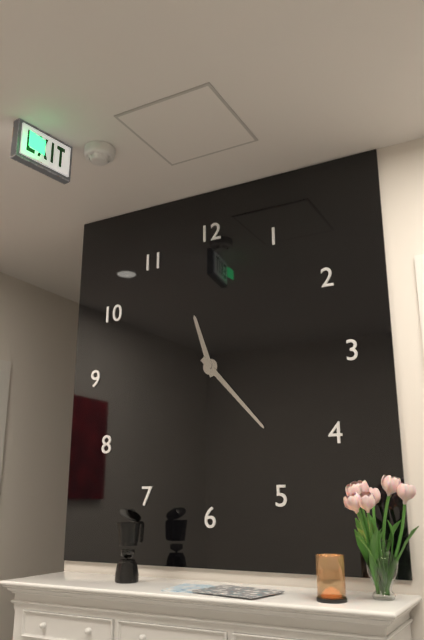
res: 11 h 23 min
